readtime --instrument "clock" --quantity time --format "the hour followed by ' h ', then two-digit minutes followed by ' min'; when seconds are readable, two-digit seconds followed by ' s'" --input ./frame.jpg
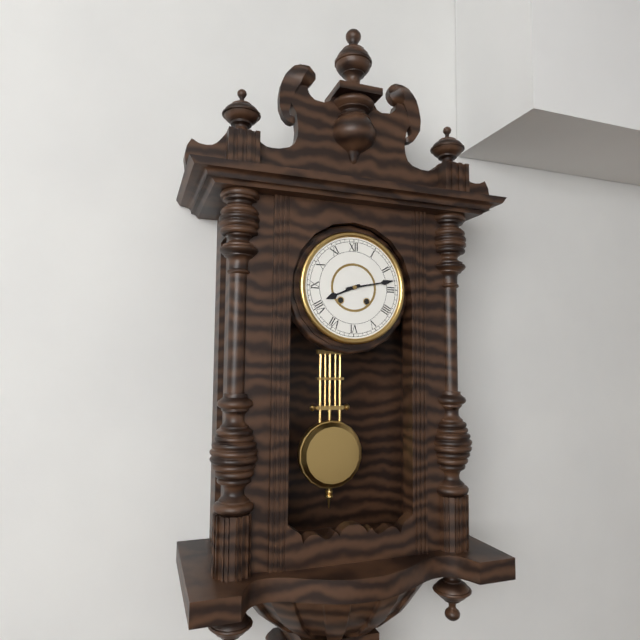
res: 8 h 13 min
